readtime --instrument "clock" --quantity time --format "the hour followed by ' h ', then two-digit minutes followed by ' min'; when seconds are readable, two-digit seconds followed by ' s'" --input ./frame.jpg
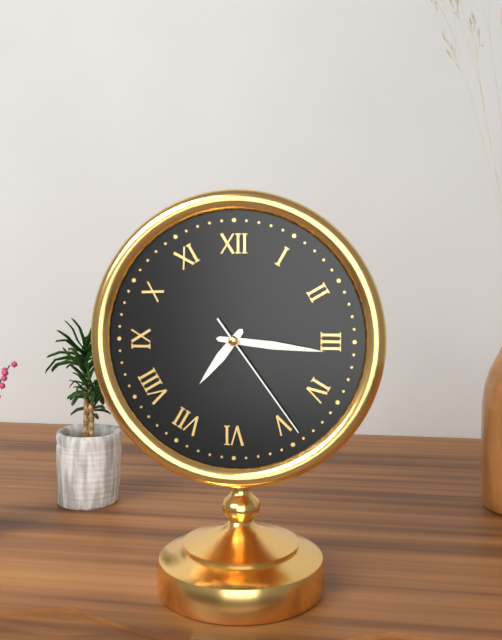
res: 7 h 16 min 24 s
